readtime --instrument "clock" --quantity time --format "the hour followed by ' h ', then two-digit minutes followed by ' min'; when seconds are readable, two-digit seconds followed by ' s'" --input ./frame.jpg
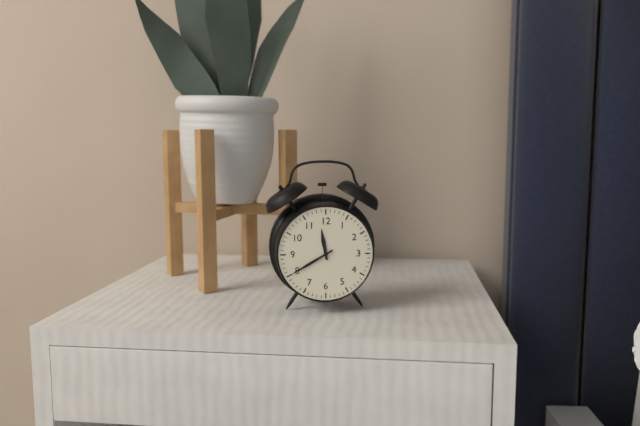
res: 11 h 40 min
